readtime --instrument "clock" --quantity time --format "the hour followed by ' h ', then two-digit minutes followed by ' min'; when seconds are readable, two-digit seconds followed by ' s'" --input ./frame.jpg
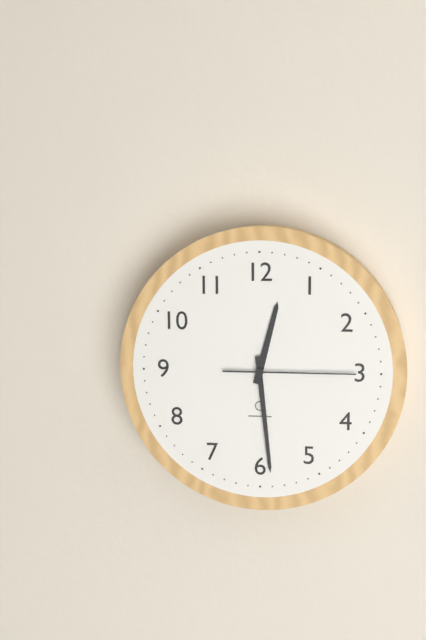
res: 12 h 29 min 15 s
